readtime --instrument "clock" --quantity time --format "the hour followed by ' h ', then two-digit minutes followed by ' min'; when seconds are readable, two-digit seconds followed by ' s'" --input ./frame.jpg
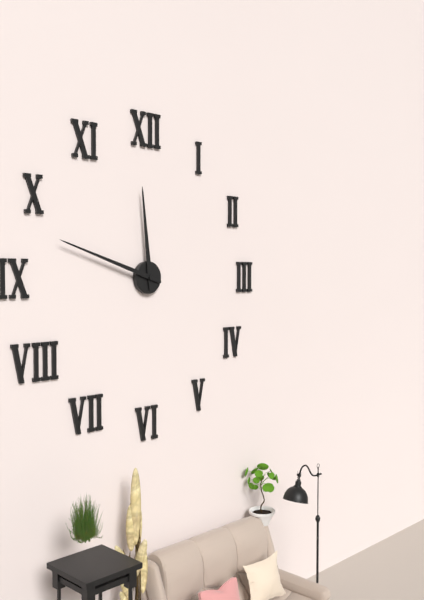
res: 11 h 48 min
